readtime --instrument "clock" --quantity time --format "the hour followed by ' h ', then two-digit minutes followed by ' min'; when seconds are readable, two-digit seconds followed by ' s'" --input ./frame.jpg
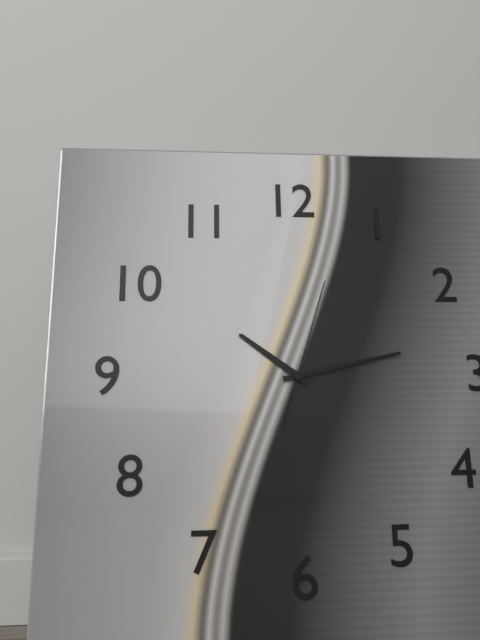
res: 10 h 13 min 03 s
